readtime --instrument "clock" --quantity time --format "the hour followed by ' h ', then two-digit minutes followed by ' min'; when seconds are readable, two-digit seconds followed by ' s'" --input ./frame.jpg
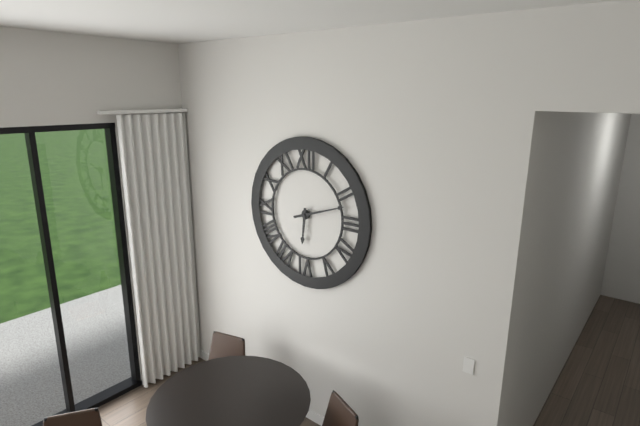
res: 6 h 12 min
